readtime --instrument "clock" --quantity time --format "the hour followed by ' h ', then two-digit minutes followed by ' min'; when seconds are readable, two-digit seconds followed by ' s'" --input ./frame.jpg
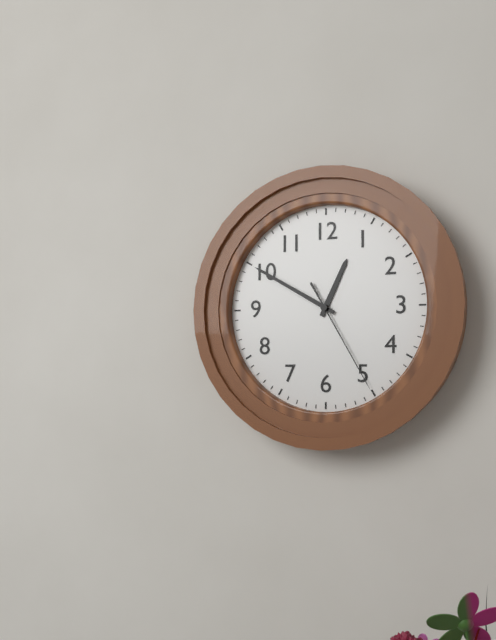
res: 12 h 50 min 25 s
